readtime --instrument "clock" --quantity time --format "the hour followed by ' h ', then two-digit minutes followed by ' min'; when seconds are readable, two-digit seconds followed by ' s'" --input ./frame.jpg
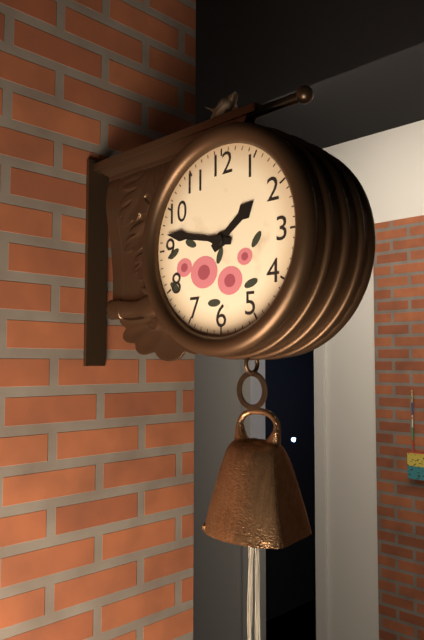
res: 1 h 47 min
